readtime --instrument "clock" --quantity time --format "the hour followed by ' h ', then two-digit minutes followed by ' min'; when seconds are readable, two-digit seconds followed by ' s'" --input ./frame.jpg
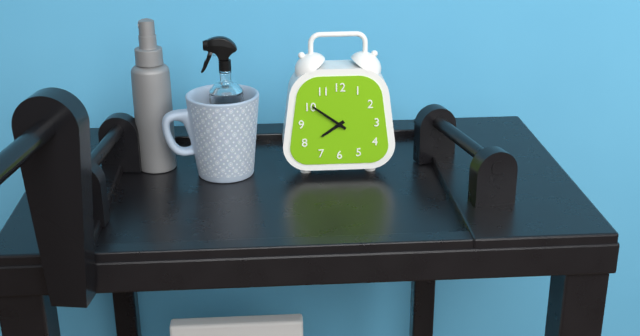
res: 7 h 51 min
